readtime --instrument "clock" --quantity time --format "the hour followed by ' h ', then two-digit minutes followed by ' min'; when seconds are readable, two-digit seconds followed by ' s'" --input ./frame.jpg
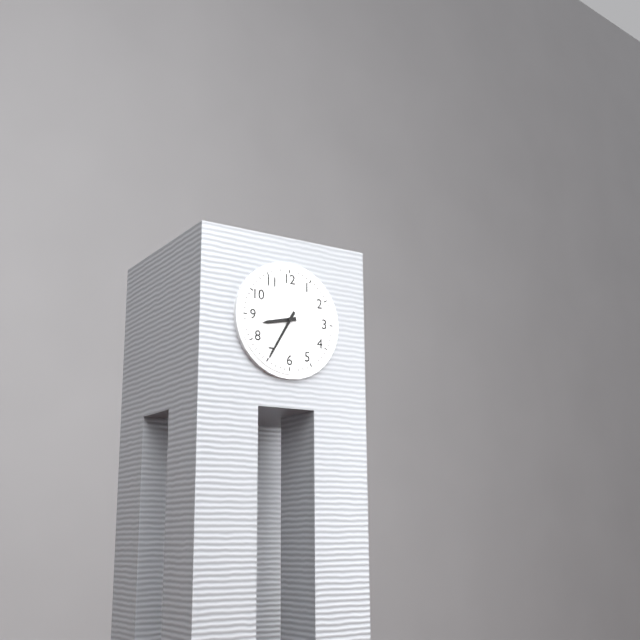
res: 8 h 35 min
